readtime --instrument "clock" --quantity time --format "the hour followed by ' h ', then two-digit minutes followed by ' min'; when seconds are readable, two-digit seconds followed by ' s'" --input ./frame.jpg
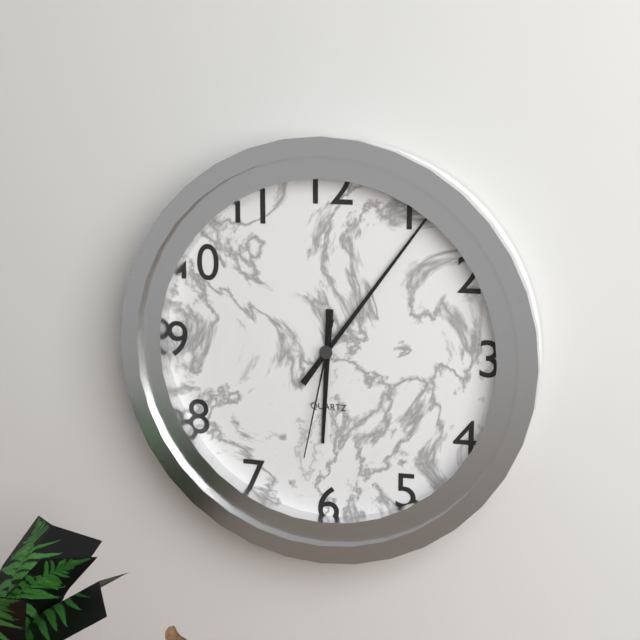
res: 6 h 06 min 32 s
